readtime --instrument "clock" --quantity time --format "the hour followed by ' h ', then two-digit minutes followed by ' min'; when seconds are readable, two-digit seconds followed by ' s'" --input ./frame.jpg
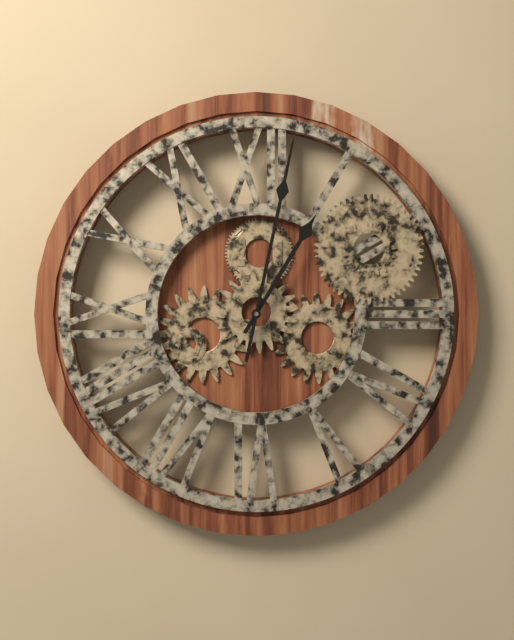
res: 1 h 02 min
